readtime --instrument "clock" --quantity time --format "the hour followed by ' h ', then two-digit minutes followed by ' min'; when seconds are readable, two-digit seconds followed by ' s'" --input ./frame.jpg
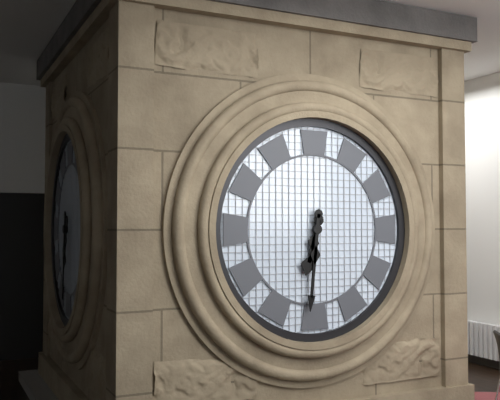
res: 6 h 31 min
